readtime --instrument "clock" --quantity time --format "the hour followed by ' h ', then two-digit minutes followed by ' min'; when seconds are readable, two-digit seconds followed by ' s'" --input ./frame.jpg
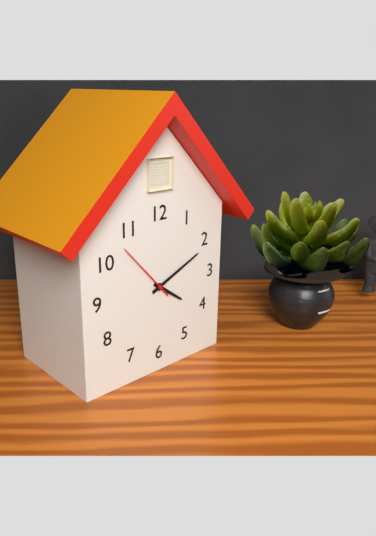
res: 4 h 11 min 53 s
